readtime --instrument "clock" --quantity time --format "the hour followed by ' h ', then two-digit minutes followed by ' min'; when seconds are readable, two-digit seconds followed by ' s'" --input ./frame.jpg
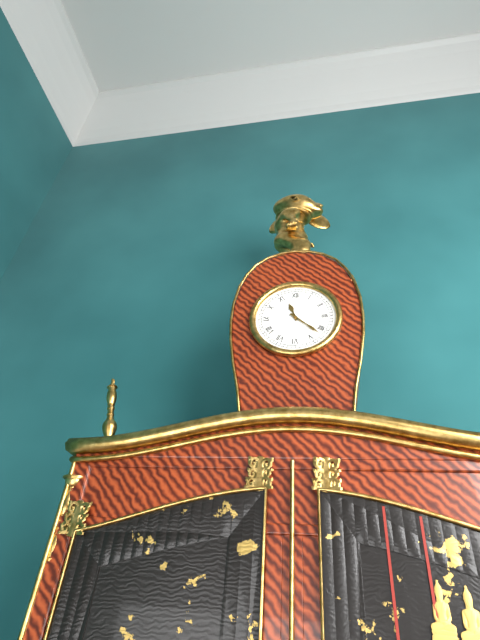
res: 11 h 22 min
